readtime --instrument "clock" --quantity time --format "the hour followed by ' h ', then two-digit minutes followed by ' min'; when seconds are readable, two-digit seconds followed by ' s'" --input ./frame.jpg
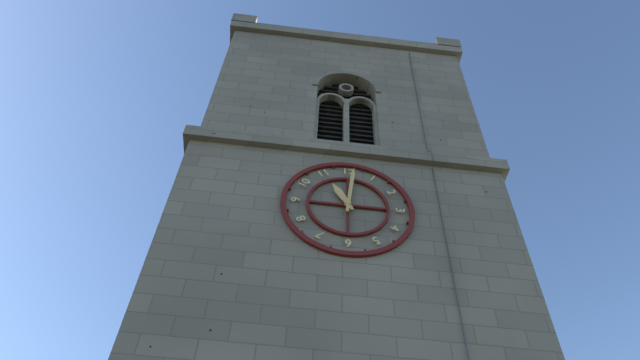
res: 11 h 01 min
